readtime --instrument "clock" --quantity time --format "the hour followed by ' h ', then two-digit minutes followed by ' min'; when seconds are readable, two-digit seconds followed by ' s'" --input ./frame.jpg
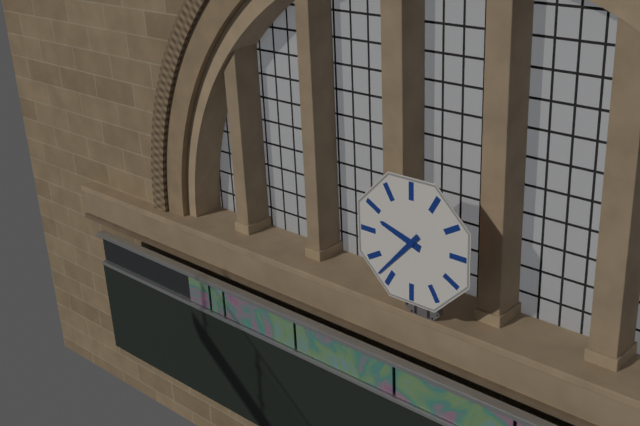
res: 9 h 37 min
